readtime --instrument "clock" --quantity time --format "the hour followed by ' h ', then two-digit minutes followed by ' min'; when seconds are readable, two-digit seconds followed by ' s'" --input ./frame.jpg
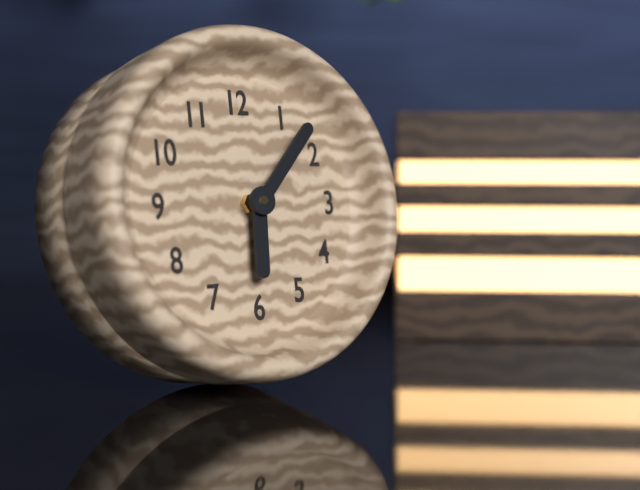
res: 6 h 07 min
